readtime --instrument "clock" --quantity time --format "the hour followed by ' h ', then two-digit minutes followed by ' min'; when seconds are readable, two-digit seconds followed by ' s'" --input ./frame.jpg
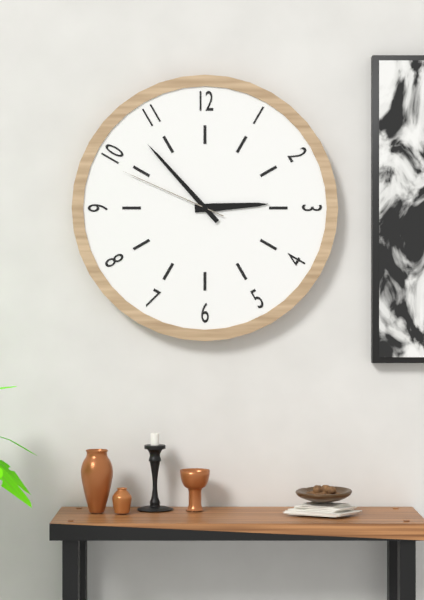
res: 2 h 53 min 49 s
